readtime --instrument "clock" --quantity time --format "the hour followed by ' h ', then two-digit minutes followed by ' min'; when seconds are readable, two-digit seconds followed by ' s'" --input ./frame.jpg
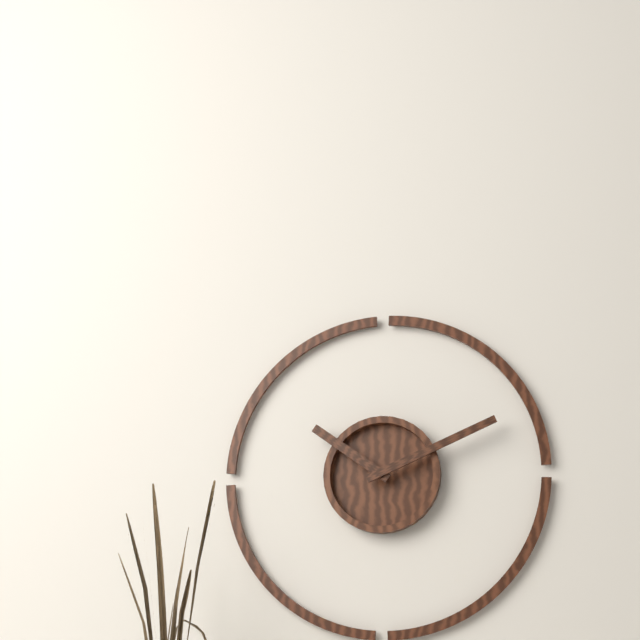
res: 10 h 11 min
